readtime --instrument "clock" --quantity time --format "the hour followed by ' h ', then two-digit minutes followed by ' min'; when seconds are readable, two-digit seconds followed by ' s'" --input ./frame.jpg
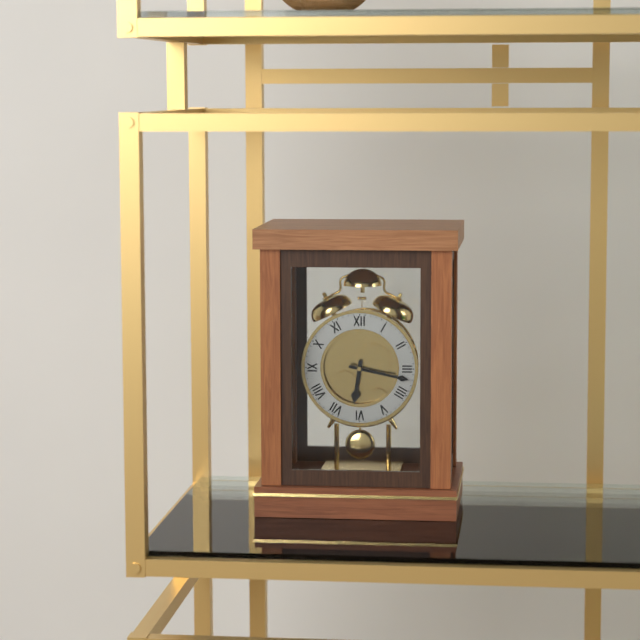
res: 6 h 17 min
